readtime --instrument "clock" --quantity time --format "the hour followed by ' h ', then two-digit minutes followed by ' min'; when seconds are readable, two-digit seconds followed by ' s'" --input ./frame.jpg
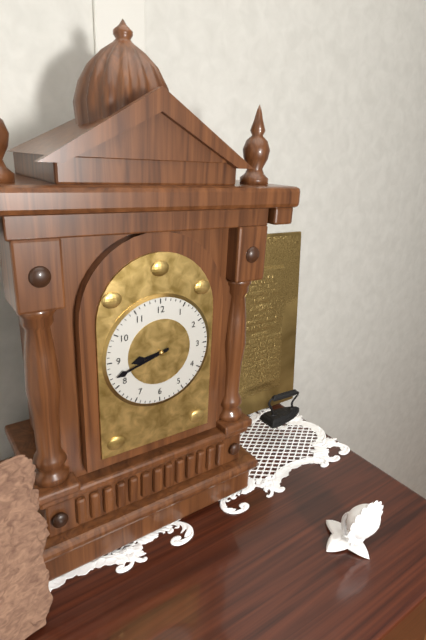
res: 8 h 42 min
